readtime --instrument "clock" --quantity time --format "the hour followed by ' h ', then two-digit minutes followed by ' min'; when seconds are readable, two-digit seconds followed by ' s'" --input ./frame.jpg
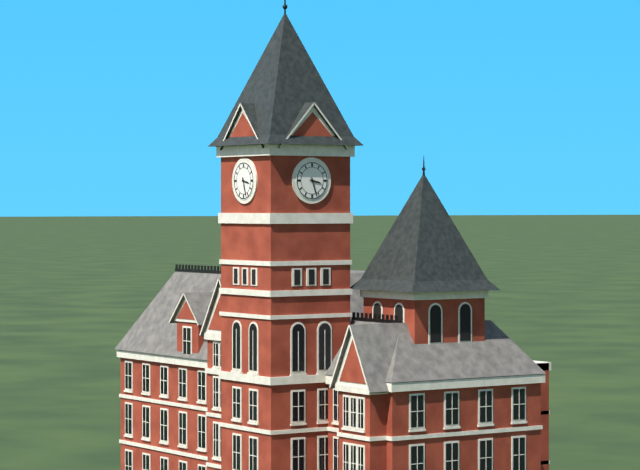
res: 3 h 27 min
